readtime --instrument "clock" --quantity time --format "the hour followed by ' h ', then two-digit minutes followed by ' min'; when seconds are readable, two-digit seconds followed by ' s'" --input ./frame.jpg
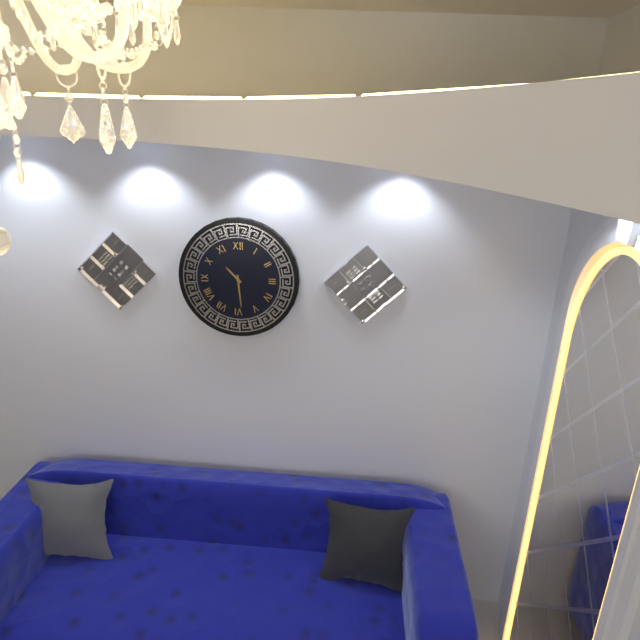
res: 10 h 29 min
